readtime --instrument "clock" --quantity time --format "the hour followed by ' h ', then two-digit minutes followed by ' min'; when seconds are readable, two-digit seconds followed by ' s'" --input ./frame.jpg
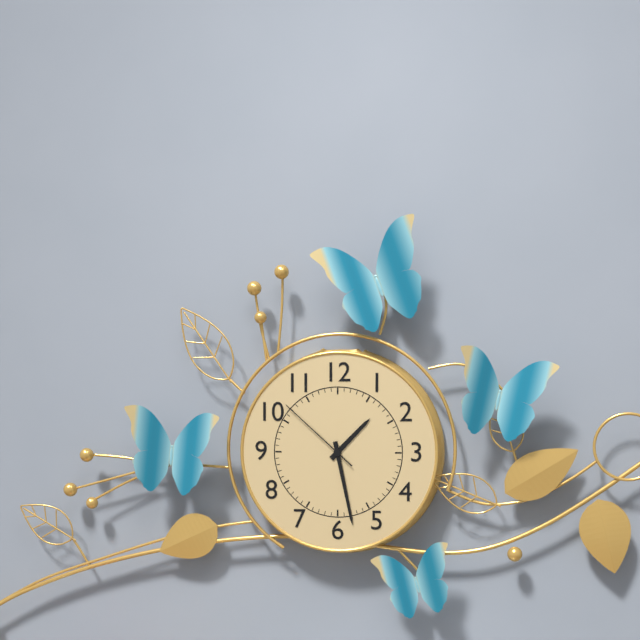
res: 1 h 28 min 52 s
